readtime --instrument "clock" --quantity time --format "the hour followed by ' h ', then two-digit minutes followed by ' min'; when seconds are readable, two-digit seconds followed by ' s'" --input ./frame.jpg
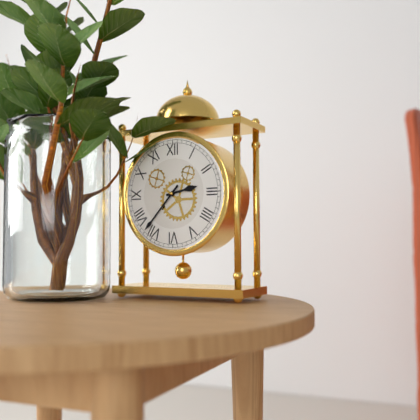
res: 2 h 37 min
